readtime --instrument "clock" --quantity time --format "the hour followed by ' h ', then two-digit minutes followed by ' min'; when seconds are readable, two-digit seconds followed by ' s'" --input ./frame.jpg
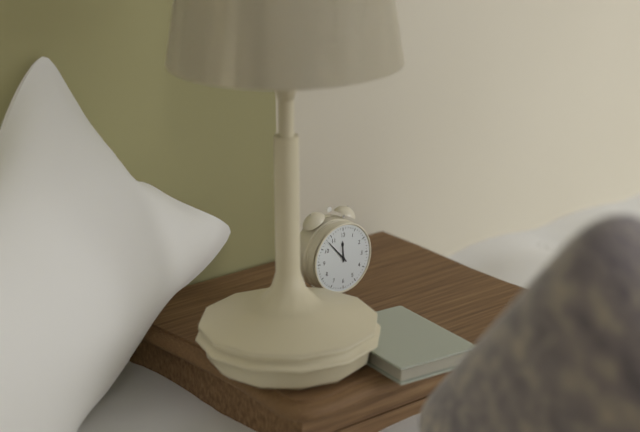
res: 11 h 53 min
